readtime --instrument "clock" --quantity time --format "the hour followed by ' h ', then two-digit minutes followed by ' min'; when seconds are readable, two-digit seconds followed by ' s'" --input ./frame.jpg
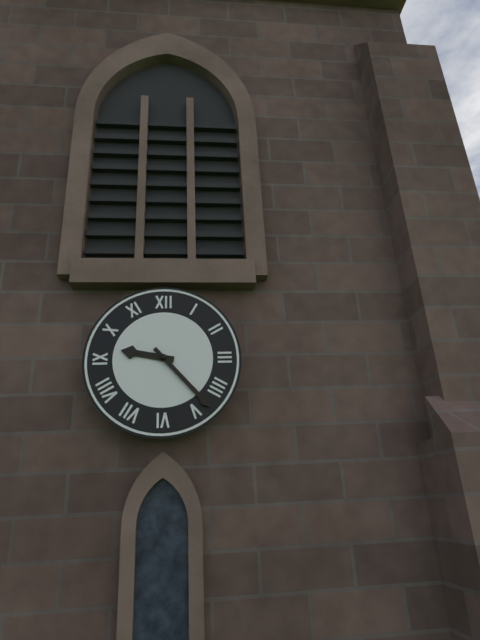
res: 9 h 23 min
